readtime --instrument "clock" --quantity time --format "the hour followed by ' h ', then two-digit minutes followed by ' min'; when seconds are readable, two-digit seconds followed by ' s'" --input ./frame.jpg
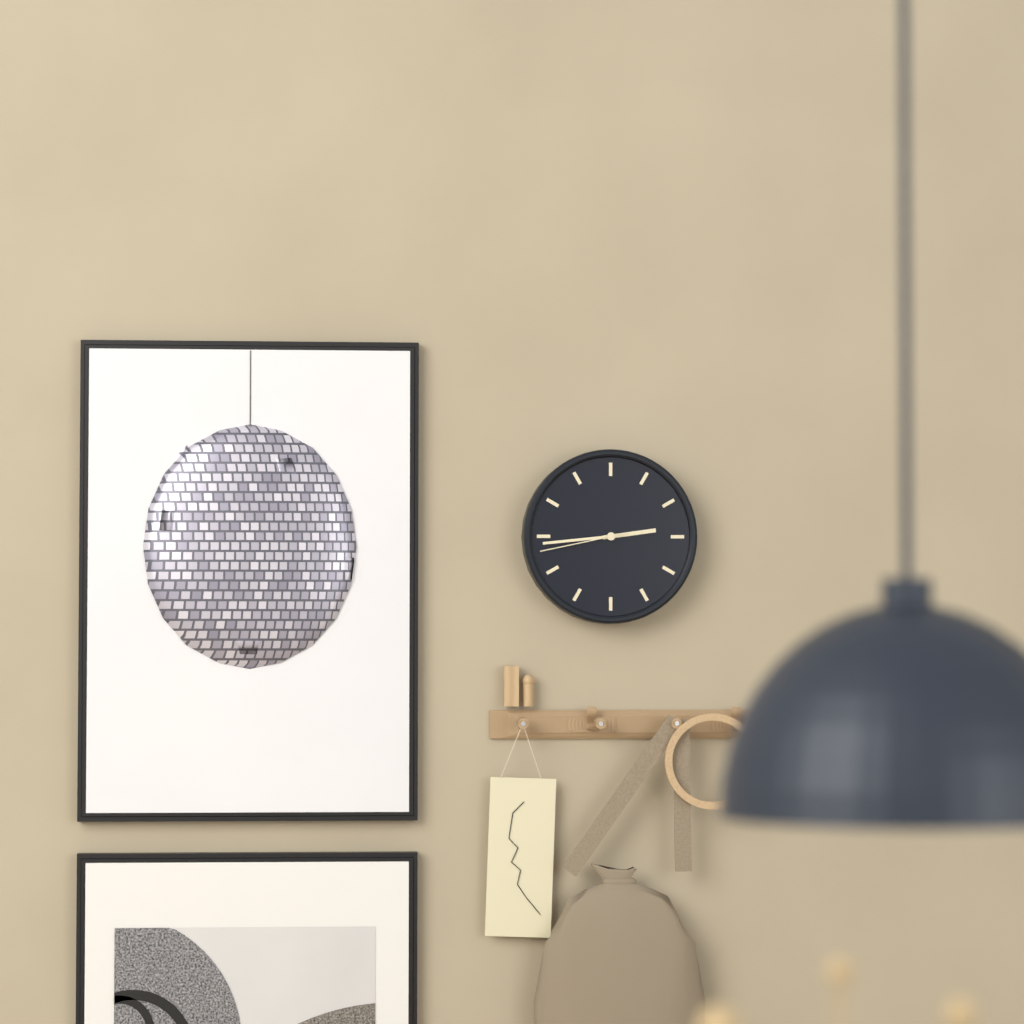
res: 2 h 44 min 43 s
